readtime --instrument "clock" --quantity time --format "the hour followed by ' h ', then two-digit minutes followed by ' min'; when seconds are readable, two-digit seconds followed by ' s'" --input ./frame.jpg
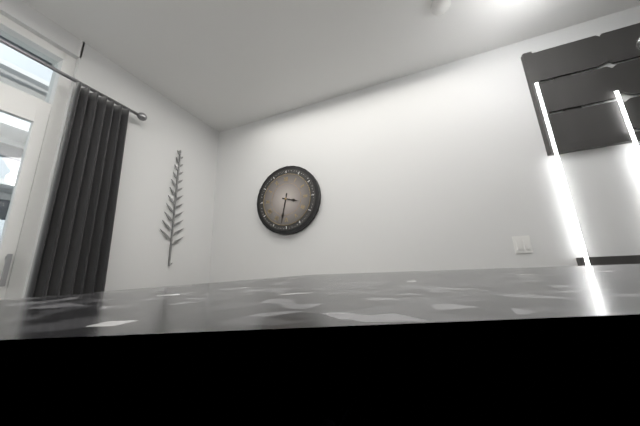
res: 3 h 32 min
